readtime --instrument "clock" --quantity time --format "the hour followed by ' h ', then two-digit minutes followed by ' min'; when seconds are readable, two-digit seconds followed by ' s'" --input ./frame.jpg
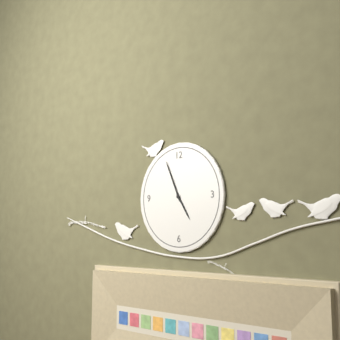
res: 4 h 56 min
